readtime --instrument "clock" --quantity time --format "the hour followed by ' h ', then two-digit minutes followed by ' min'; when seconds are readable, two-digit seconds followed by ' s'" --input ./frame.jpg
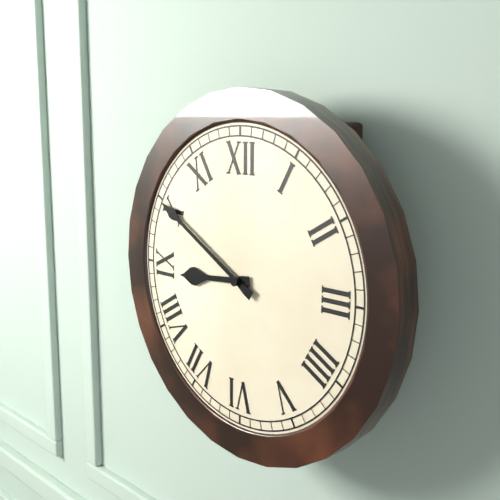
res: 8 h 50 min
